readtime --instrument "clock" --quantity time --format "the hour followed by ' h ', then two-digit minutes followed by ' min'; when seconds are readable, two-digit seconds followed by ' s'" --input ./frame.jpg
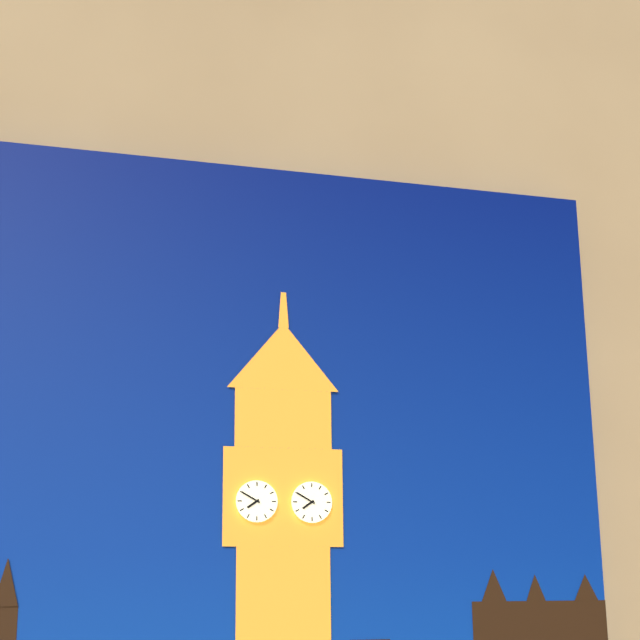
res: 7 h 50 min
